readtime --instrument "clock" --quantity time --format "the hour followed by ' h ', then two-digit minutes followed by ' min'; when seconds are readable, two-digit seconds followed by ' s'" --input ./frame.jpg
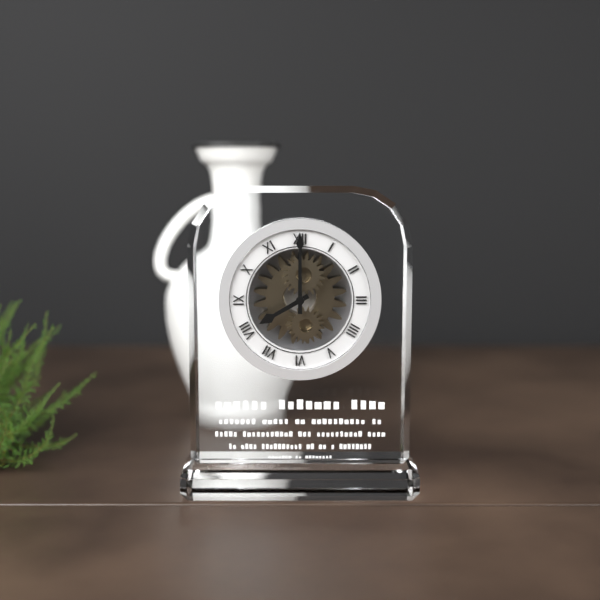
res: 8 h 00 min
